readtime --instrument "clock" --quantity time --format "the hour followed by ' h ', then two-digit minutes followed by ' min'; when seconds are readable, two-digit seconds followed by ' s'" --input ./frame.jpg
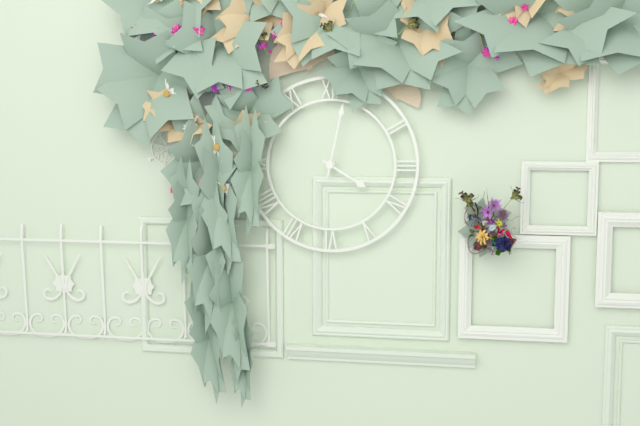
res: 4 h 02 min
